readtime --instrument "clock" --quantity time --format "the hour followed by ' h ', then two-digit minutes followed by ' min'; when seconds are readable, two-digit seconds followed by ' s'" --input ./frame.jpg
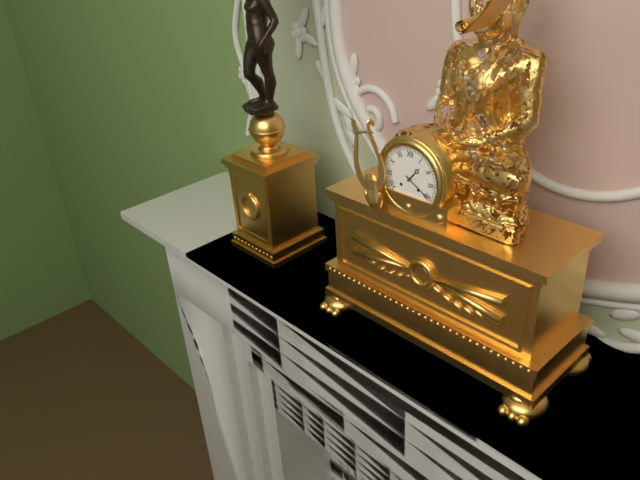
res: 1 h 20 min
